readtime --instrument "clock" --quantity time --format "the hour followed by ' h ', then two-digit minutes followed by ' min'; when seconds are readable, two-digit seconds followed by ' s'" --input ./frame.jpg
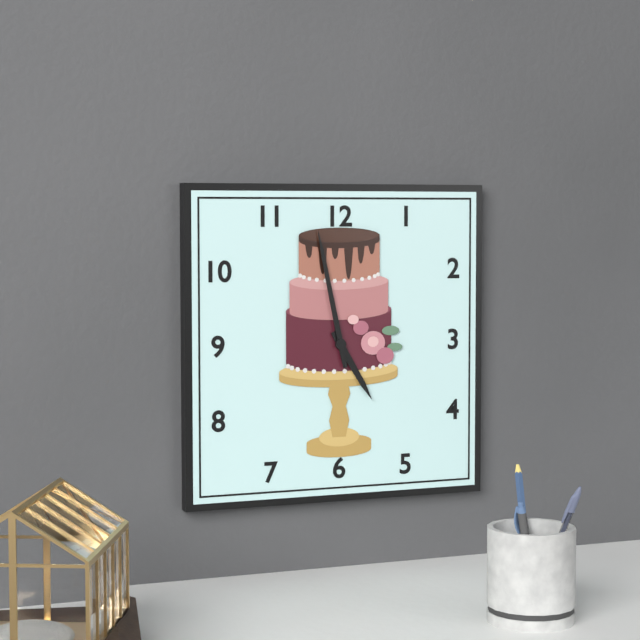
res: 4 h 58 min
